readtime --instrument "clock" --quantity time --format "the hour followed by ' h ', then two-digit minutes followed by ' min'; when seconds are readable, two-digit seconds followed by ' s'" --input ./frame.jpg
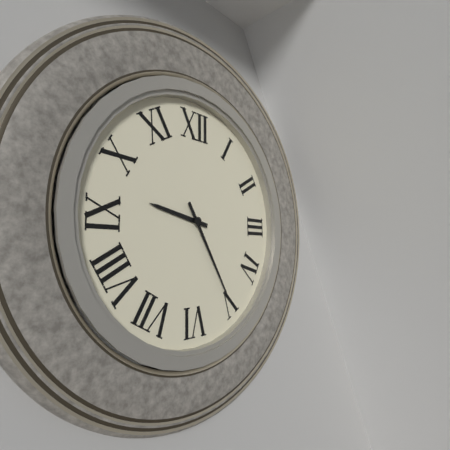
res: 9 h 25 min
